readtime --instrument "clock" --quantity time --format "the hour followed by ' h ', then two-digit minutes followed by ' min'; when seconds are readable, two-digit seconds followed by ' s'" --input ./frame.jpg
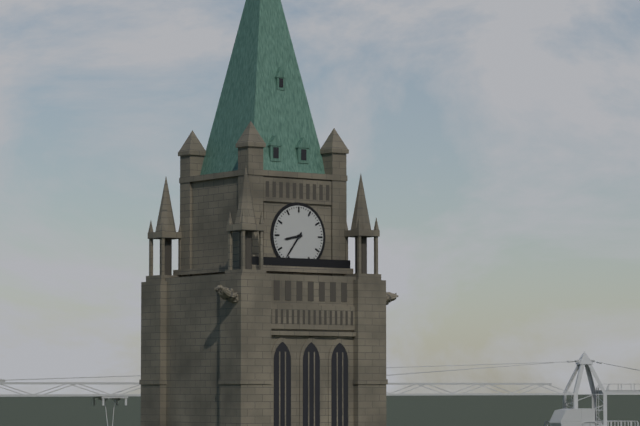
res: 8 h 36 min
